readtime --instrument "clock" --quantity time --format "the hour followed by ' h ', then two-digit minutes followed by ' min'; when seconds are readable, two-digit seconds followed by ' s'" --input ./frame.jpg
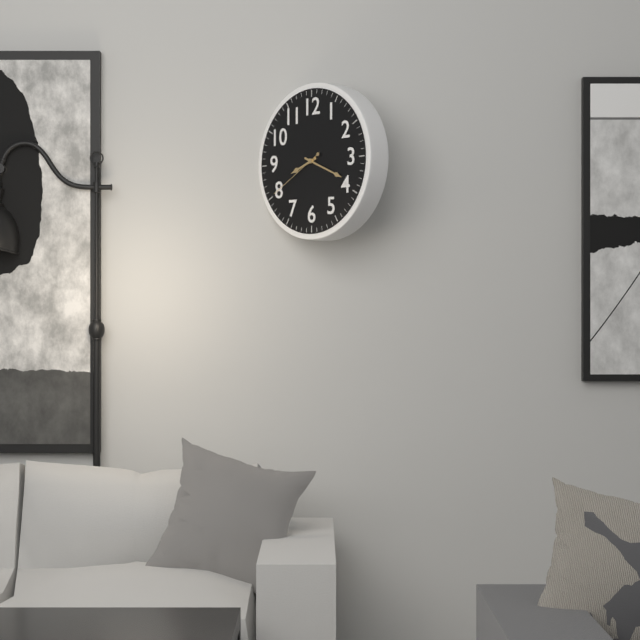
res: 8 h 19 min 40 s
